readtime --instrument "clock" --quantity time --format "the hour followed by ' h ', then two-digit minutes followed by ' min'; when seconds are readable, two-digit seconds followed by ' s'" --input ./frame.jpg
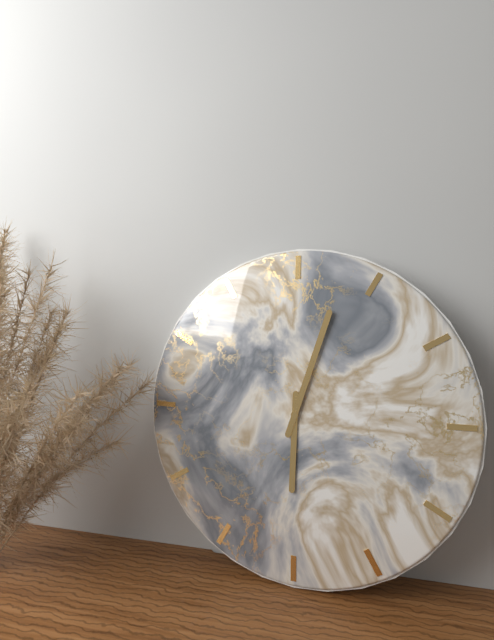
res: 6 h 03 min
